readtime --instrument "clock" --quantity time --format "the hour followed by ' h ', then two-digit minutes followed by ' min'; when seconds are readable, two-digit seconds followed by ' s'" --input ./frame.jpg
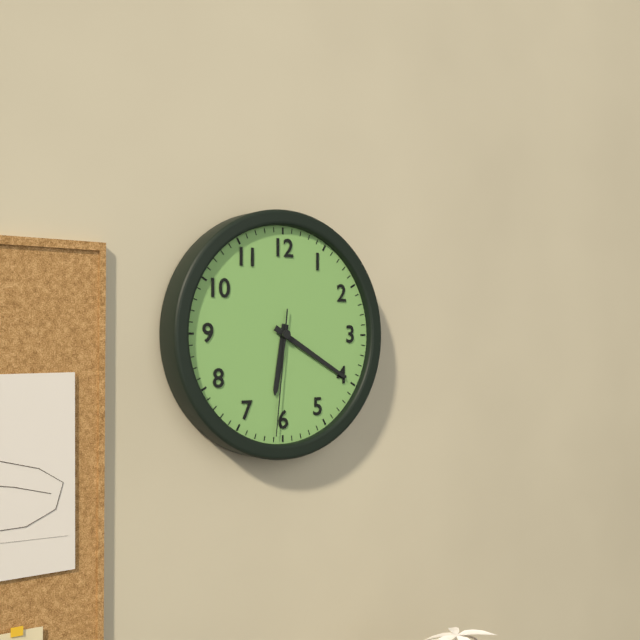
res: 6 h 20 min 31 s
